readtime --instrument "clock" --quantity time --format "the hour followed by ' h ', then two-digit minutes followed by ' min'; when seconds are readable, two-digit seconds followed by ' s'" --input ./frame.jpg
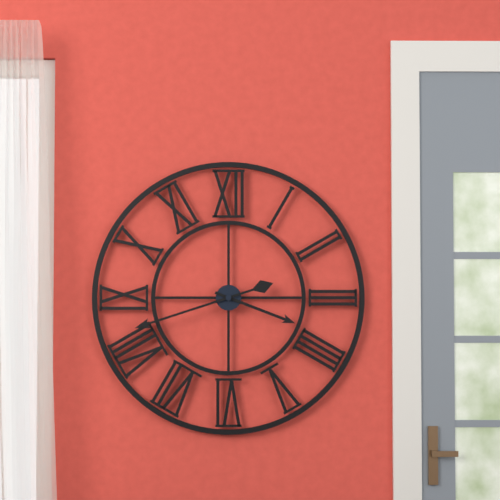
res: 3 h 42 min
